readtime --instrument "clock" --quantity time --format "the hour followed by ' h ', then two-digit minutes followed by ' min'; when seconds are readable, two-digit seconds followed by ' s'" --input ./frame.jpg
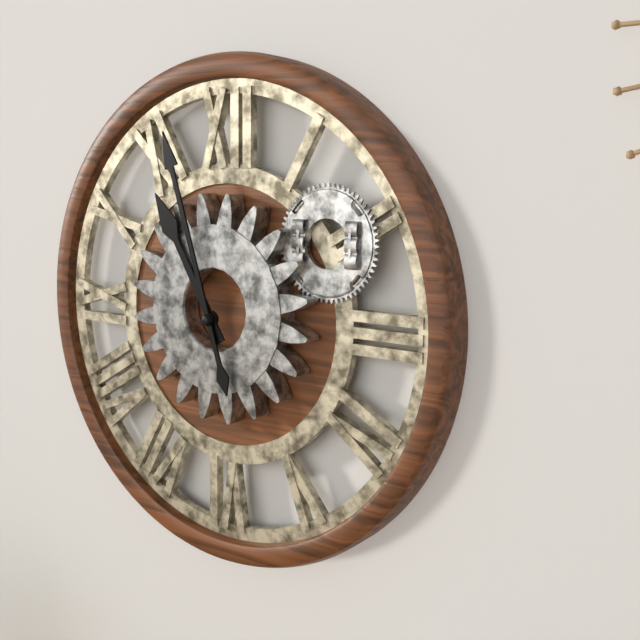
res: 10 h 57 min
